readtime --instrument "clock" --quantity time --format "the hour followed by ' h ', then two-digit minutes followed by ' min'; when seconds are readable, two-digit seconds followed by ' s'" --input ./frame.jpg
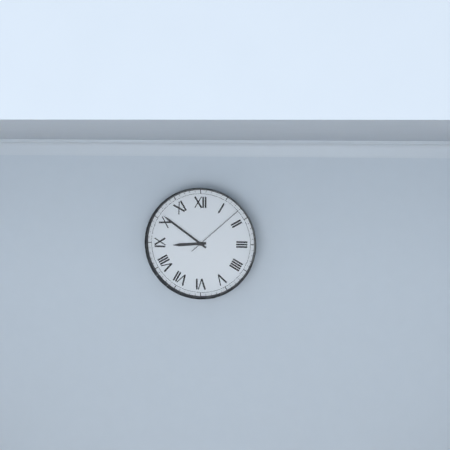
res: 8 h 51 min 08 s
